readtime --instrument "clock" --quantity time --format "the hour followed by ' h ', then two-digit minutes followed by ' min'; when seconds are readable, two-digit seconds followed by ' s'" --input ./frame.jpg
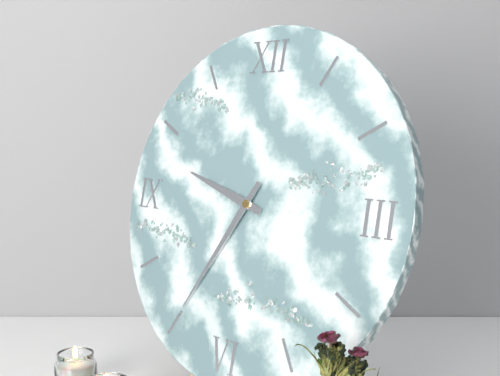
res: 9 h 35 min
